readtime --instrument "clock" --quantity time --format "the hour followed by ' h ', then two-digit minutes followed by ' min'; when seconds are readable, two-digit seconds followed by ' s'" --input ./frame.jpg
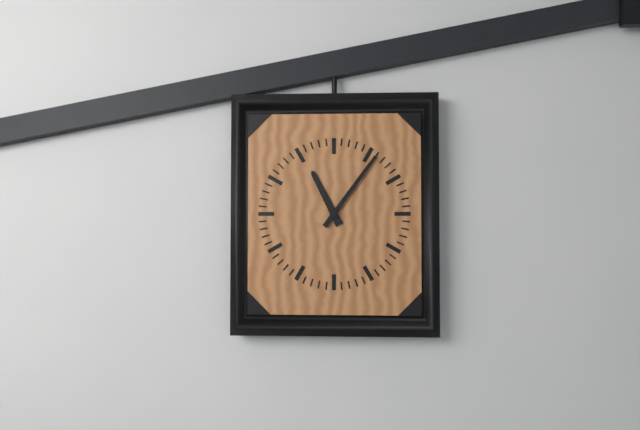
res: 11 h 06 min
